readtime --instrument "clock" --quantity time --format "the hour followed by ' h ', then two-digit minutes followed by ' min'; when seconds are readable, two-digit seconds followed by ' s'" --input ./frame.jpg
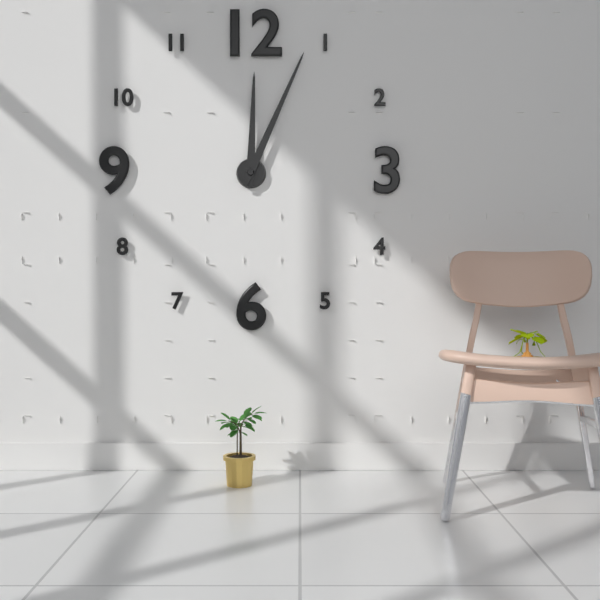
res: 12 h 04 min
